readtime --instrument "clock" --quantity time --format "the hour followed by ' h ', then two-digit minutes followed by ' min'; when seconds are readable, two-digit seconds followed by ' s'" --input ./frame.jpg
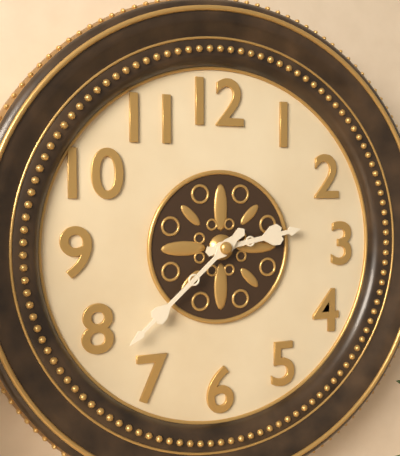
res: 2 h 38 min
